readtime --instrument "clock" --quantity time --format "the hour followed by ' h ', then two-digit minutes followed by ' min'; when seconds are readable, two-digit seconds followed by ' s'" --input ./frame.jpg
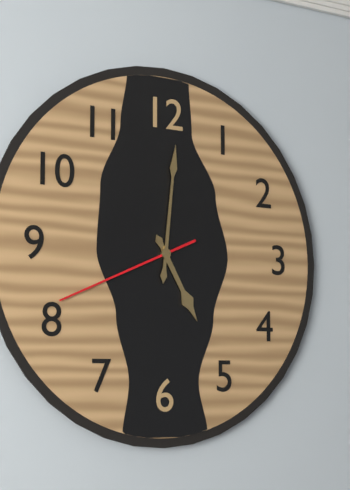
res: 5 h 01 min 41 s
